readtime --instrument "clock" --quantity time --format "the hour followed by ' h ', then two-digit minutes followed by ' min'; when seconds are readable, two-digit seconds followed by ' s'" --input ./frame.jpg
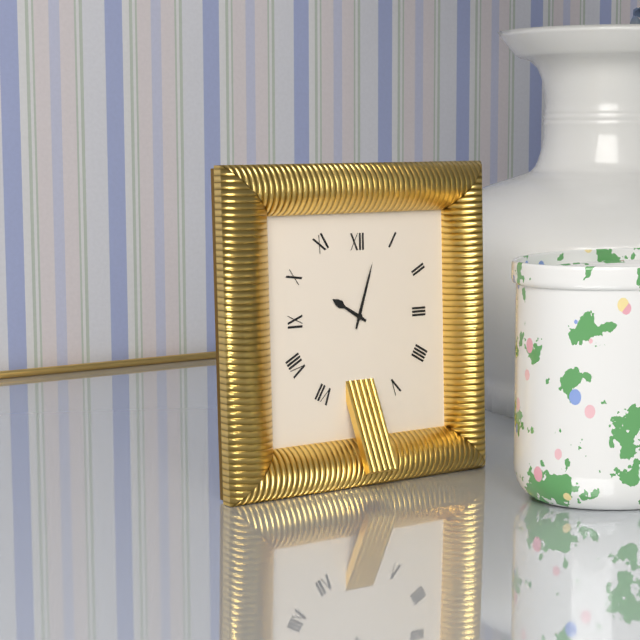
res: 10 h 03 min
